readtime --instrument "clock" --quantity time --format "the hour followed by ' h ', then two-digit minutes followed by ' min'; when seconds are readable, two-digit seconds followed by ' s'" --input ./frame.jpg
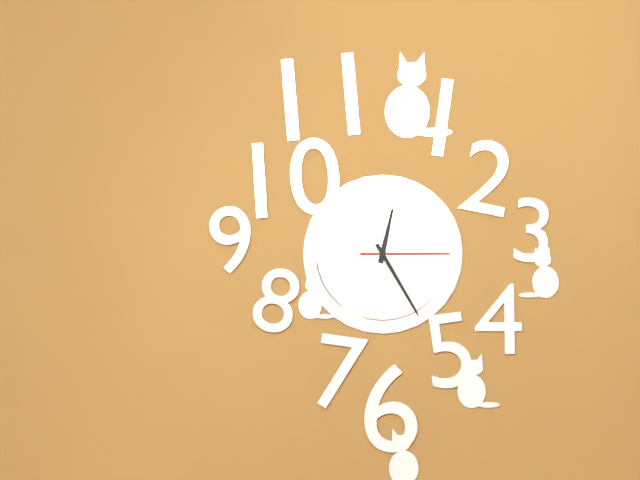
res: 12 h 25 min 15 s
